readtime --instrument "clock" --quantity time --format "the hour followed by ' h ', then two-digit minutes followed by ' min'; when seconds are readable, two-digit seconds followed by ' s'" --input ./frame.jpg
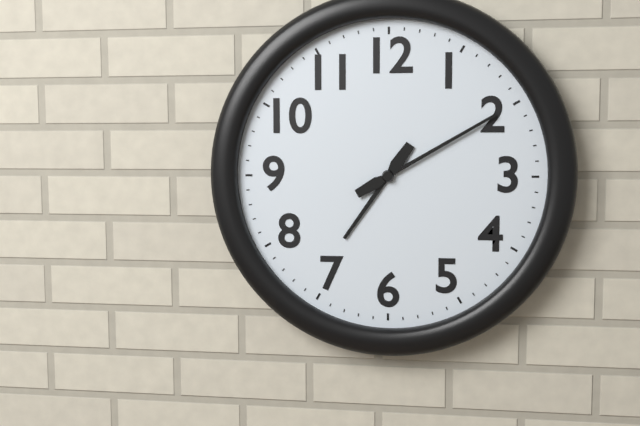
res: 7 h 10 min
